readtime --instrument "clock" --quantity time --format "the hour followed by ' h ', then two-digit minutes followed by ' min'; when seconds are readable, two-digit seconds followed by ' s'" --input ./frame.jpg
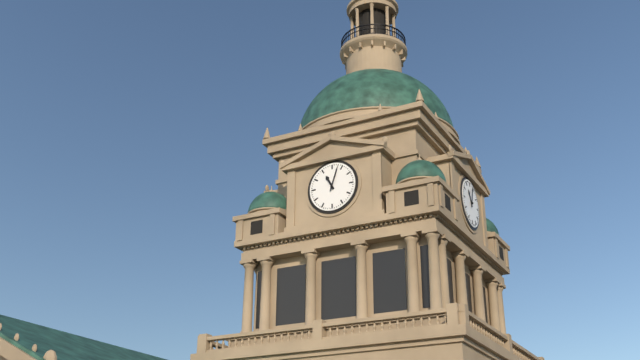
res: 11 h 03 min
